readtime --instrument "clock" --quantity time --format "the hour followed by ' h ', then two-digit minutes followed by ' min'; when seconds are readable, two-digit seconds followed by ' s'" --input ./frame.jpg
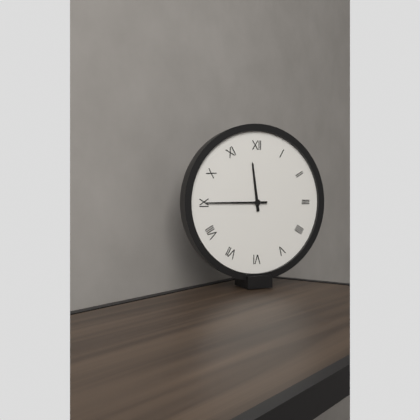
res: 11 h 45 min
